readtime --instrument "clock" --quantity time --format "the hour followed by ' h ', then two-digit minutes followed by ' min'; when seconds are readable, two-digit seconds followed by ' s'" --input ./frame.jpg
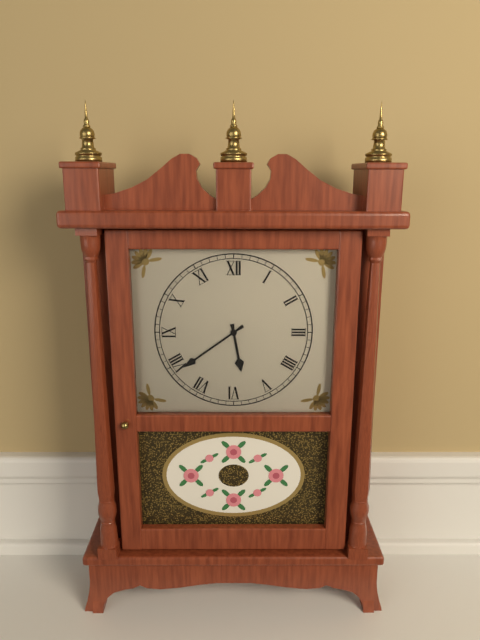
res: 5 h 39 min
